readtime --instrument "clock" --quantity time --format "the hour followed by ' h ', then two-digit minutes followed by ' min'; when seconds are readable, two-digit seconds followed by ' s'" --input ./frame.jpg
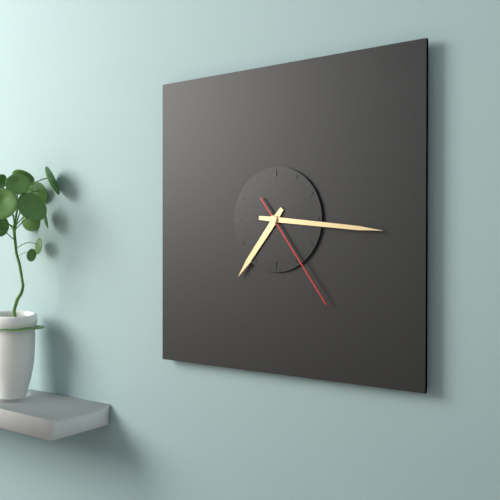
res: 7 h 16 min 24 s
